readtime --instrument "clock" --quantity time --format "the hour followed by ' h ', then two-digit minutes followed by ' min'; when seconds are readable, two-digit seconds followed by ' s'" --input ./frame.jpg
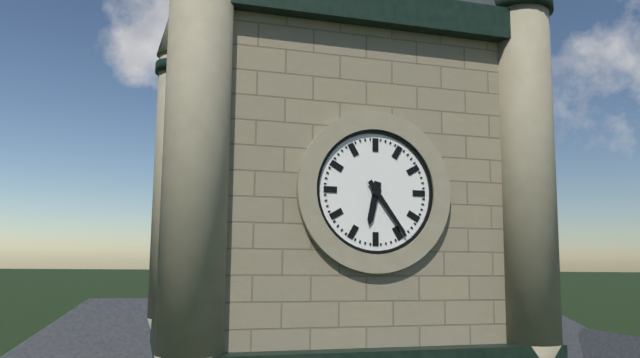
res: 6 h 24 min
